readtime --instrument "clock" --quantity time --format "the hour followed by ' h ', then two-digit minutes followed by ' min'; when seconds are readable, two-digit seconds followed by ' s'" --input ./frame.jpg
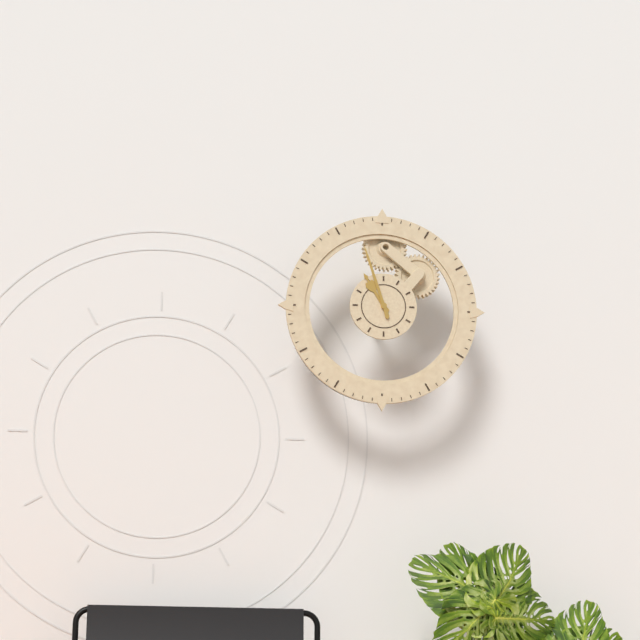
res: 10 h 57 min
